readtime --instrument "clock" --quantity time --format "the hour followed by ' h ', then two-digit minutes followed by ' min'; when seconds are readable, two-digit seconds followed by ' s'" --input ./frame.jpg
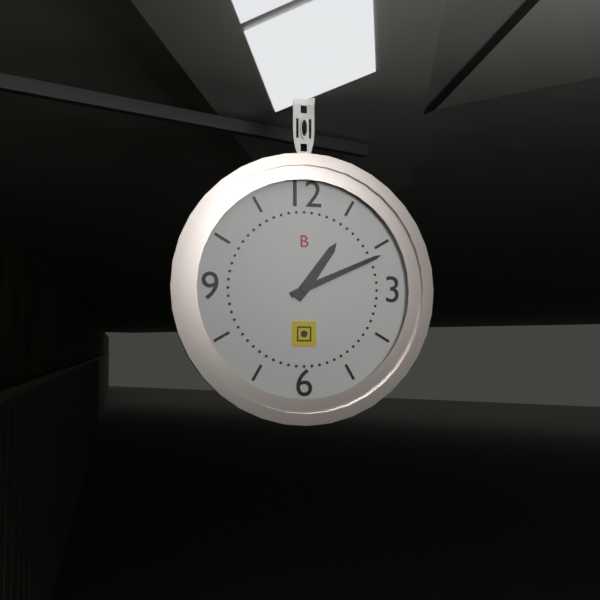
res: 1 h 11 min
